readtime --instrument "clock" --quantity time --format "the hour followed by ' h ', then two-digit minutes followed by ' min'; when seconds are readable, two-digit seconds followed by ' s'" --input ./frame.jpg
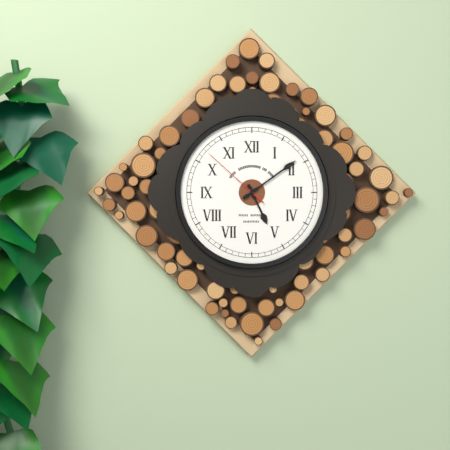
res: 5 h 09 min 52 s
